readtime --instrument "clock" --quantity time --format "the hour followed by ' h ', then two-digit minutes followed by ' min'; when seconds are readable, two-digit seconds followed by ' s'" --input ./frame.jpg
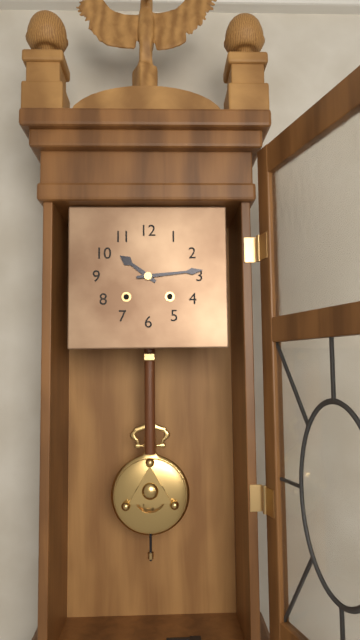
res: 10 h 14 min
